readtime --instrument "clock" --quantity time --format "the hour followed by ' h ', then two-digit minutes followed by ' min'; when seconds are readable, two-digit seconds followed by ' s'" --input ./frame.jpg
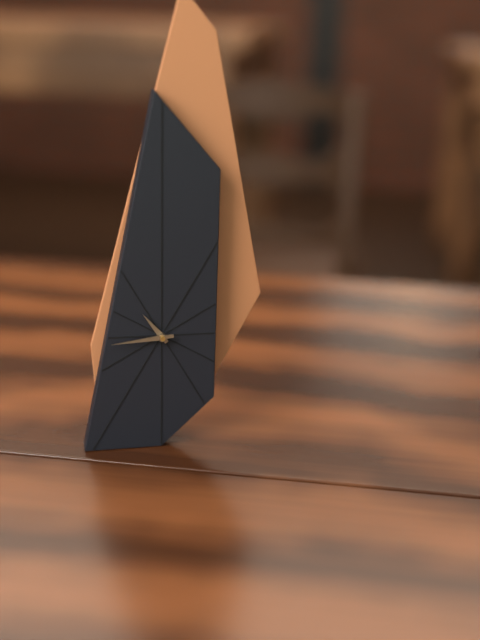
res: 10 h 44 min
